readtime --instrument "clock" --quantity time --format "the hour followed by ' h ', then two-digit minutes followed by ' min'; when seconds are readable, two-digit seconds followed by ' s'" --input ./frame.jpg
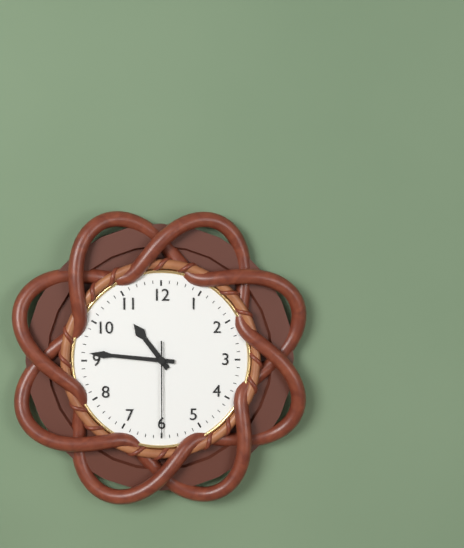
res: 10 h 46 min 30 s
